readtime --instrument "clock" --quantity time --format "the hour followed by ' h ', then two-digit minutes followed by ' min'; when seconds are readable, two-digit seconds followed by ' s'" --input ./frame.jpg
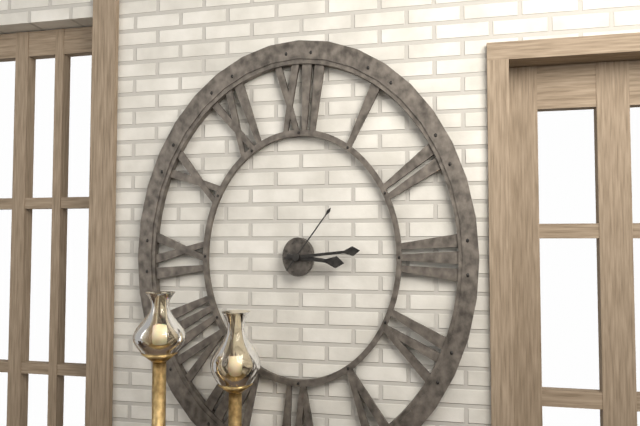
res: 3 h 14 min 06 s
